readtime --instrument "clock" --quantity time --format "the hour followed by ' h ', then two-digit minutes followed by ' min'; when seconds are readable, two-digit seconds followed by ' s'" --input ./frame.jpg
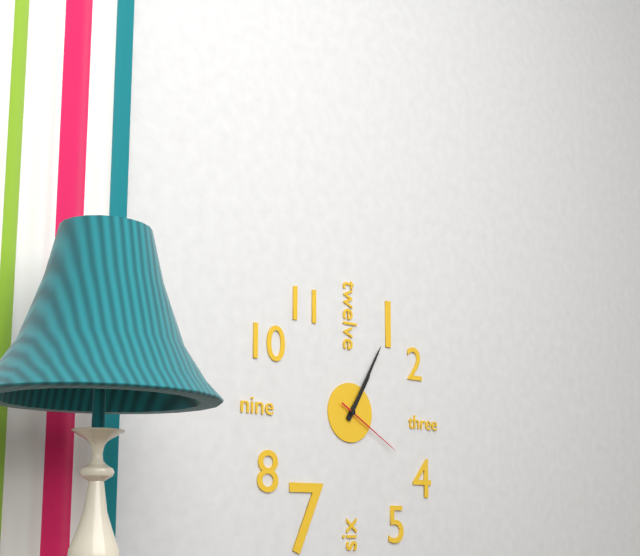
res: 1 h 05 min 20 s
